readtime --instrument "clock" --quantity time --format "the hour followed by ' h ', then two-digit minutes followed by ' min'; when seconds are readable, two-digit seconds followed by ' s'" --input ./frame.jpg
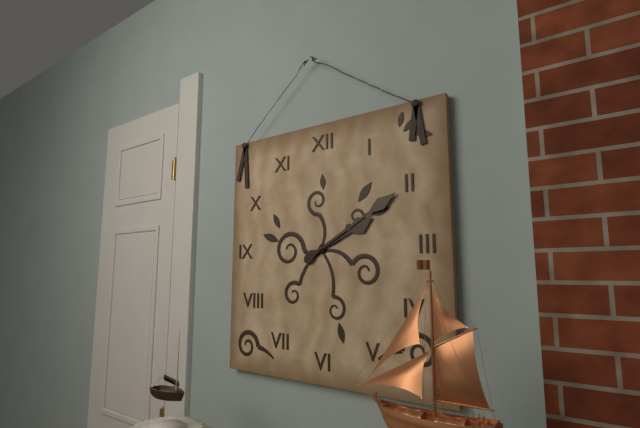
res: 2 h 10 min
